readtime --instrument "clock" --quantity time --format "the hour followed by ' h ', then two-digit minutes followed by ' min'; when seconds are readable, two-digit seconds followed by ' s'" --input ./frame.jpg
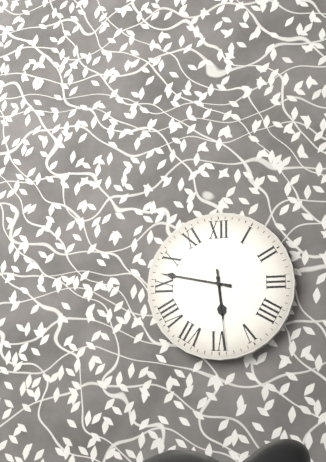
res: 5 h 47 min 29 s
